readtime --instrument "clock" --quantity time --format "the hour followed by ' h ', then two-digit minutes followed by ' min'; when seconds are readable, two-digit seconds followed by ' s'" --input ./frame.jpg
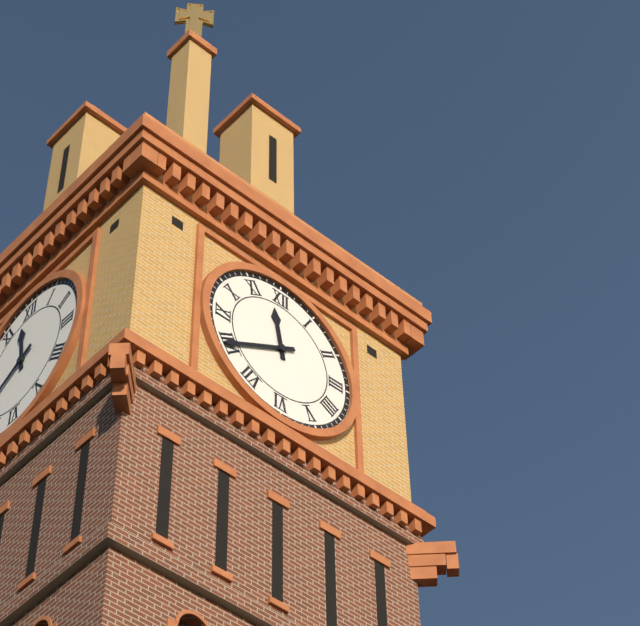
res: 11 h 40 min
